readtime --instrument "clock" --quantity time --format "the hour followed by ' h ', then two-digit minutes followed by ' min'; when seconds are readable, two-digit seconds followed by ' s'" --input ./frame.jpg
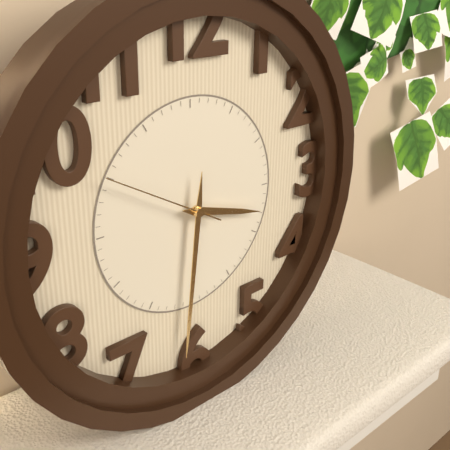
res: 3 h 31 min 50 s
